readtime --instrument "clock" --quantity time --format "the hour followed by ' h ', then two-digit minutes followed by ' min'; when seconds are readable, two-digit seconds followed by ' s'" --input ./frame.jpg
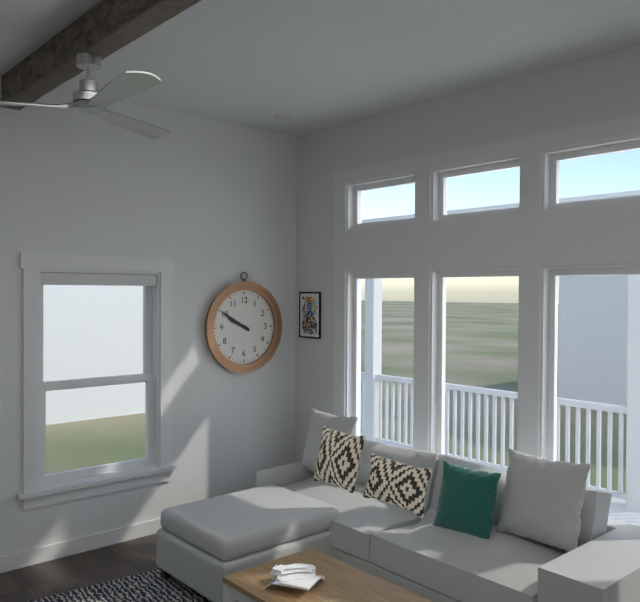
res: 9 h 50 min
